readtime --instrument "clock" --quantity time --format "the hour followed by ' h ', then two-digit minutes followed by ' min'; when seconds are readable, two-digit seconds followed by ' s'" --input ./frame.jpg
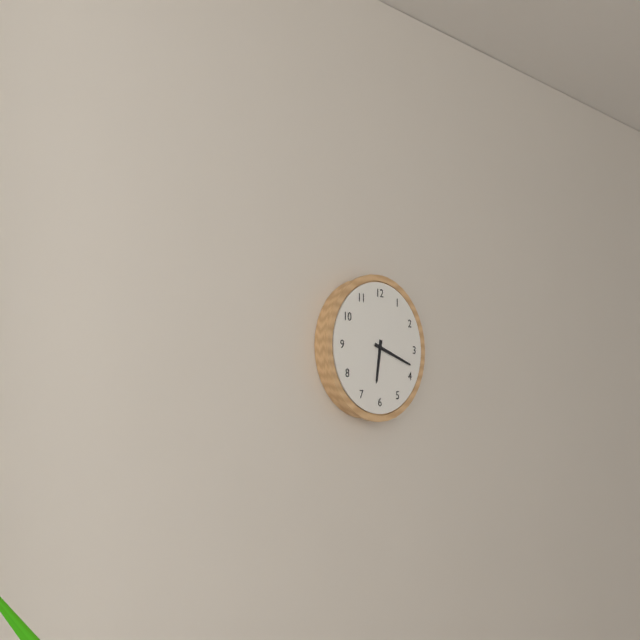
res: 6 h 18 min
